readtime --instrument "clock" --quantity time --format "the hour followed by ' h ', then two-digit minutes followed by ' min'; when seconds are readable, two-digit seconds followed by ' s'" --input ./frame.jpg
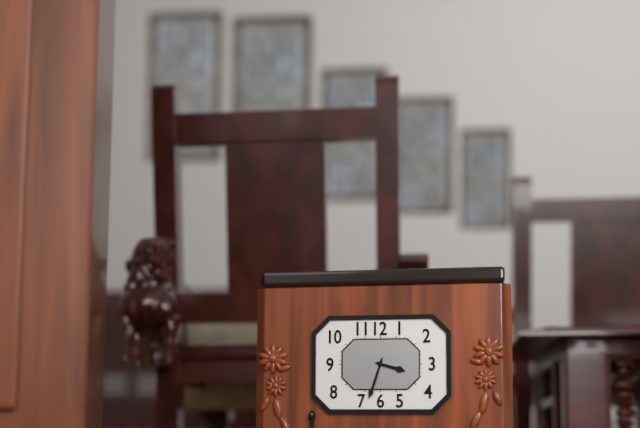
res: 3 h 33 min
